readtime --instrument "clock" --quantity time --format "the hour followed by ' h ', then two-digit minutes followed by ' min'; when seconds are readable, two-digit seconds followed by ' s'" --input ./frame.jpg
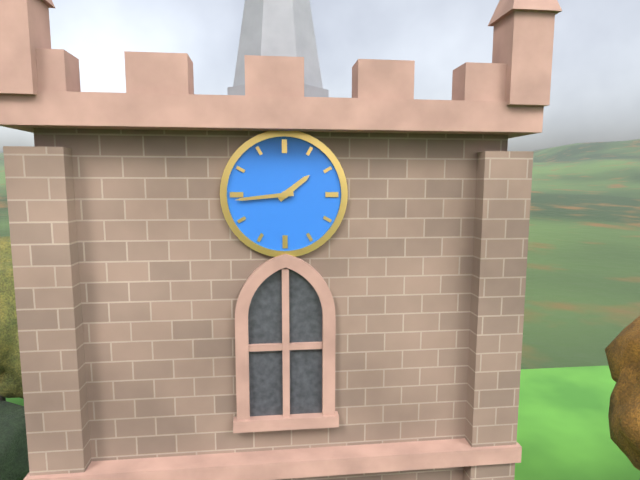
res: 1 h 44 min
